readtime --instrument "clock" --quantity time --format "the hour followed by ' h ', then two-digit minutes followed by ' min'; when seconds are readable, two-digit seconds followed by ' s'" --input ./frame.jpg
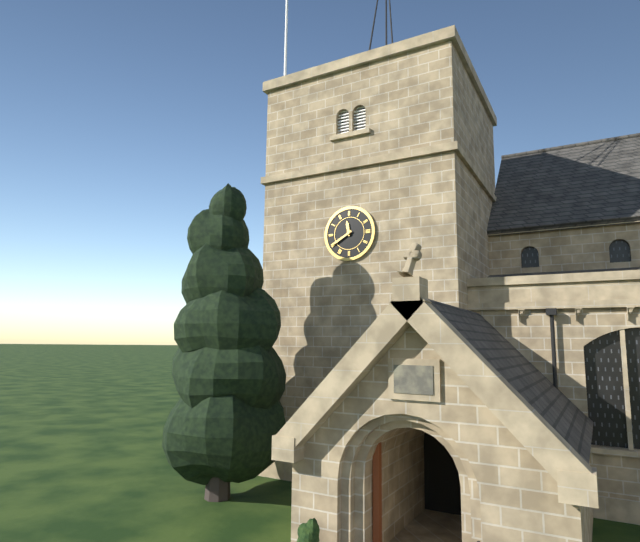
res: 11 h 40 min
